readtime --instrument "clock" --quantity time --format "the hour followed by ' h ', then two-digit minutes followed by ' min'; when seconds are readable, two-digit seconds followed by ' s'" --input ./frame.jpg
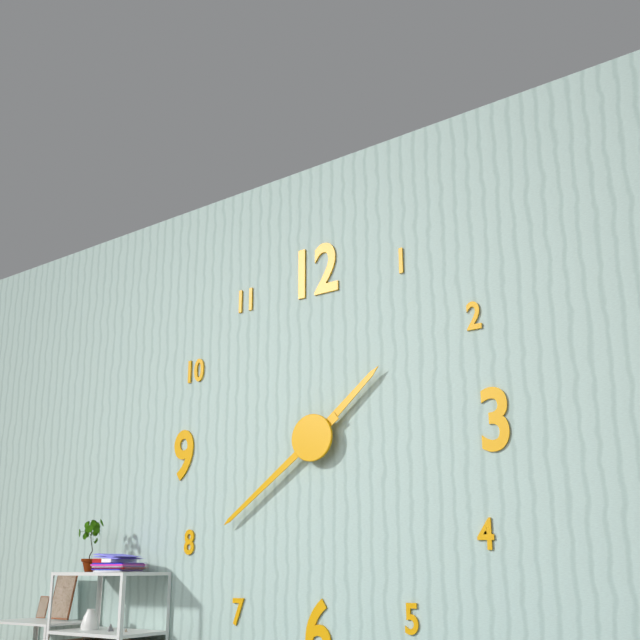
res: 1 h 39 min
